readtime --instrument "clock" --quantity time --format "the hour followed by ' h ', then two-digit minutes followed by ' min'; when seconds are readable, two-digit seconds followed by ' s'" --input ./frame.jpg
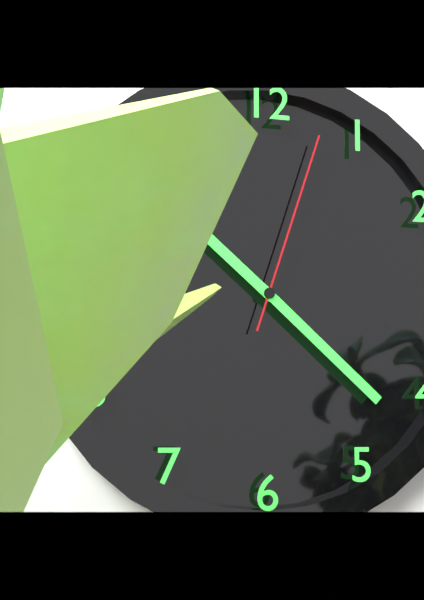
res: 10 h 22 min 03 s
